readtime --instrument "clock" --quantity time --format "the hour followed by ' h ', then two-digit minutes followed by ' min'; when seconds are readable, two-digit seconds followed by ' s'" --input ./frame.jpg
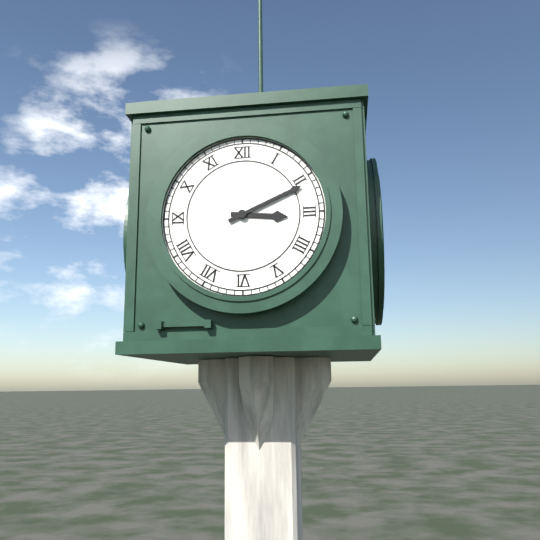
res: 3 h 11 min
